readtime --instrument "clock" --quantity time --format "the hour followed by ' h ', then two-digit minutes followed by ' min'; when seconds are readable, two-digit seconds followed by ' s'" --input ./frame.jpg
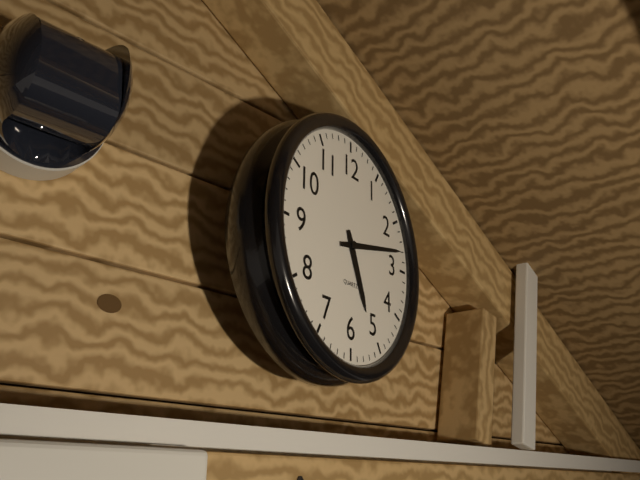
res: 5 h 13 min
